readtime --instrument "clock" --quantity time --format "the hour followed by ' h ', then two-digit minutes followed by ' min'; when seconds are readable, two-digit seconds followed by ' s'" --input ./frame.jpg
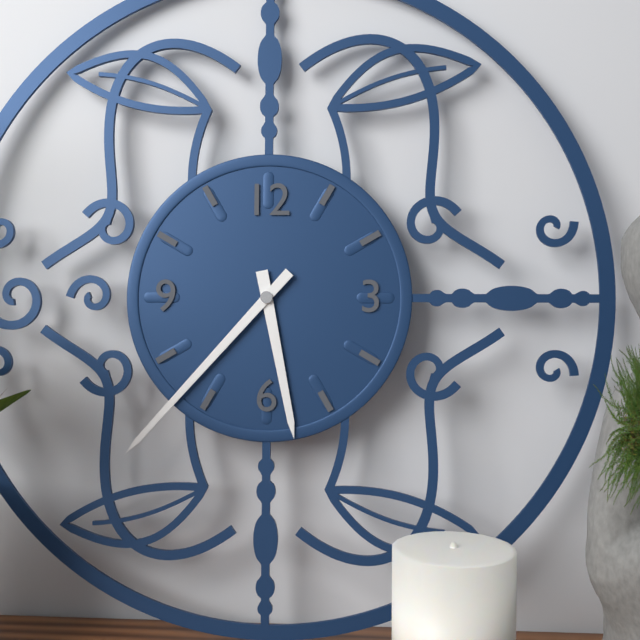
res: 5 h 37 min
